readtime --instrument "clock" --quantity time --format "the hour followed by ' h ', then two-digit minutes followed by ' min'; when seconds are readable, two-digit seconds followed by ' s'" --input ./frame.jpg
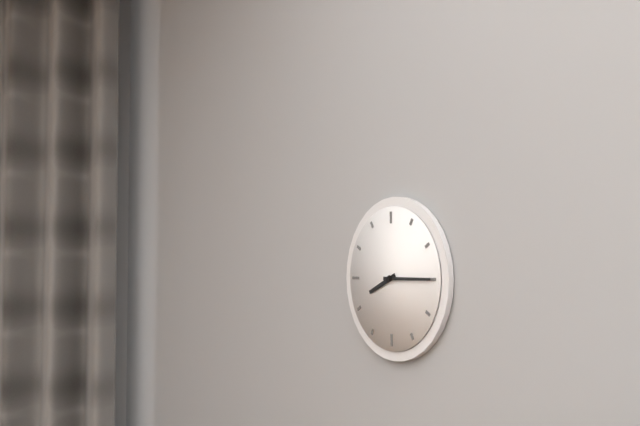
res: 8 h 15 min
